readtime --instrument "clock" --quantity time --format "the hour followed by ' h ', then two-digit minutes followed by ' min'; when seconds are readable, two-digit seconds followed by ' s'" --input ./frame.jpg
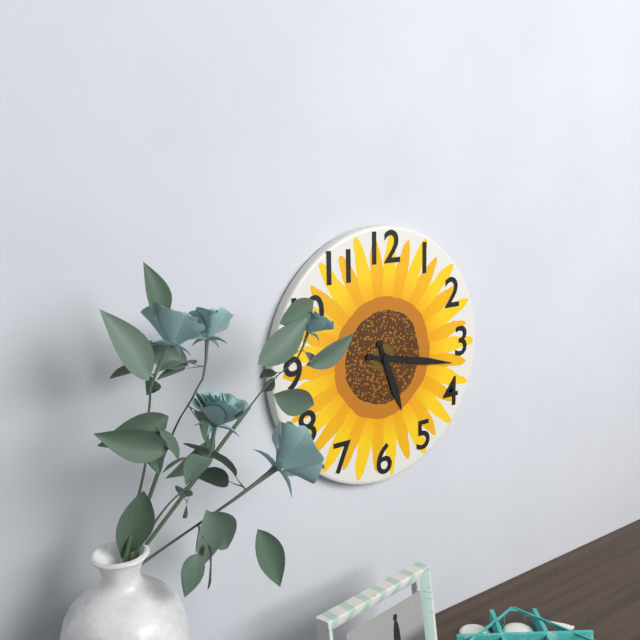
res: 5 h 17 min
